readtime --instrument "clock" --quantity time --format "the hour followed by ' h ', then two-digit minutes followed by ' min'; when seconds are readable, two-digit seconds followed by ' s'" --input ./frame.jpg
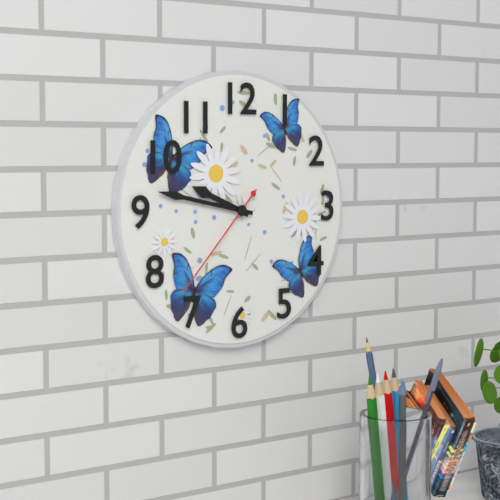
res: 9 h 47 min 37 s
